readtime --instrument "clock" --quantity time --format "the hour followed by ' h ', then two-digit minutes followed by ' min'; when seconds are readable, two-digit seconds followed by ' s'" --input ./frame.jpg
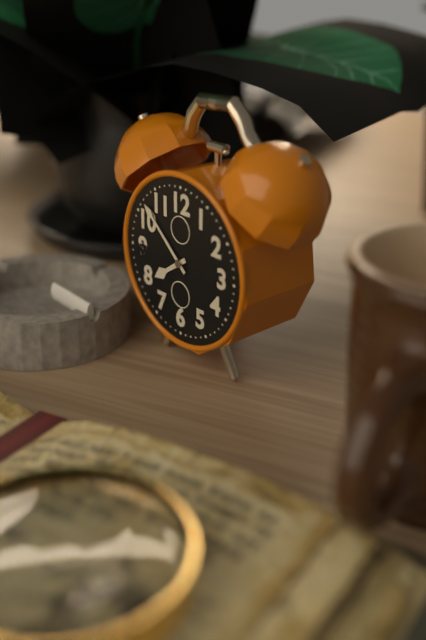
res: 7 h 52 min
